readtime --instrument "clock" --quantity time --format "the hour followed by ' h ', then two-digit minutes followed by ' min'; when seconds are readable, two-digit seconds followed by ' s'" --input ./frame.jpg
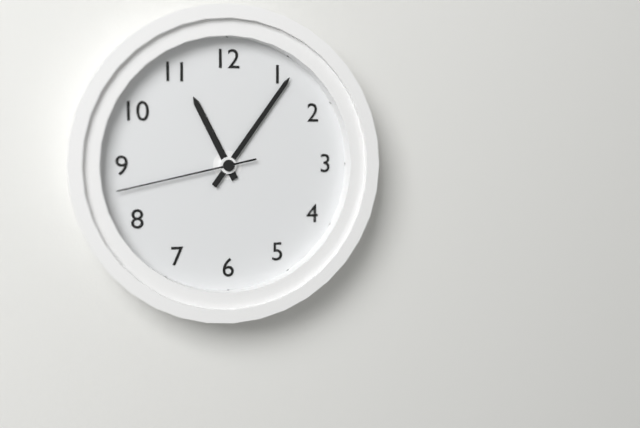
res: 11 h 06 min 43 s
